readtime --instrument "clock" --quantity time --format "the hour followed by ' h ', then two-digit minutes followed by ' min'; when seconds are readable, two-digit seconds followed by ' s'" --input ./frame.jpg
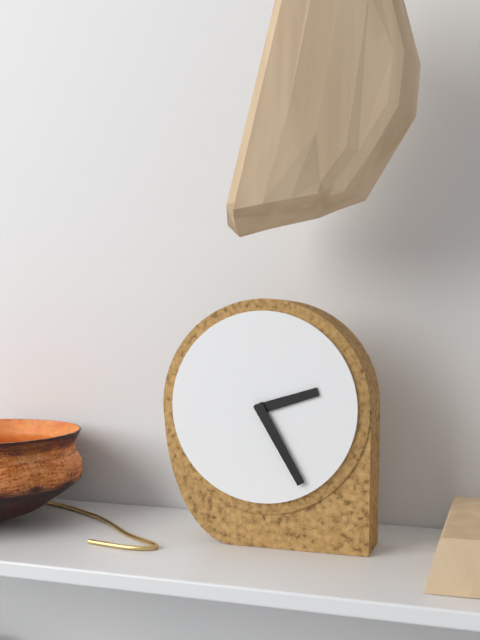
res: 2 h 25 min
